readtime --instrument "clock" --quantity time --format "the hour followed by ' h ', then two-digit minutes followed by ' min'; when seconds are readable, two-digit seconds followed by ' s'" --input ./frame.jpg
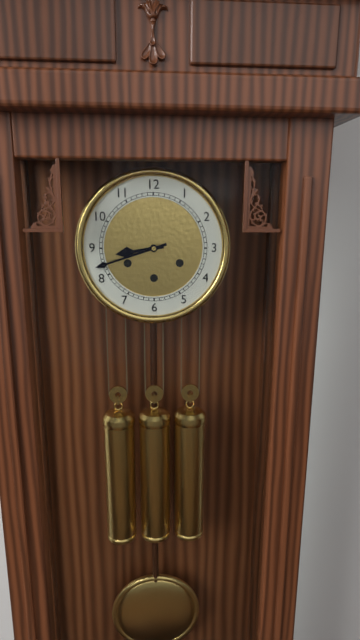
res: 8 h 42 min
